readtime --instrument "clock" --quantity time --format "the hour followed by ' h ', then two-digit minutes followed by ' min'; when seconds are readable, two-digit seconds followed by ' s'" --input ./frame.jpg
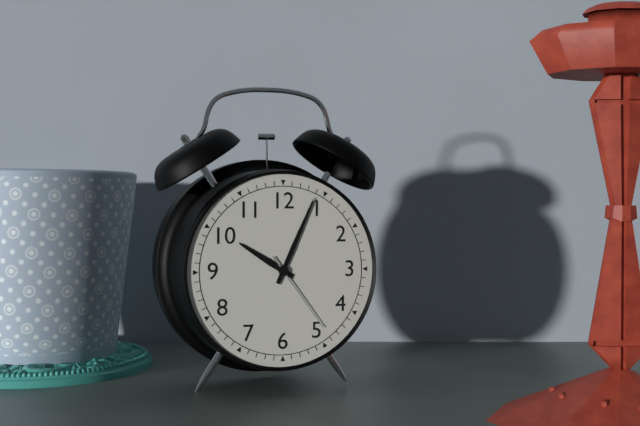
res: 10 h 04 min 24 s
